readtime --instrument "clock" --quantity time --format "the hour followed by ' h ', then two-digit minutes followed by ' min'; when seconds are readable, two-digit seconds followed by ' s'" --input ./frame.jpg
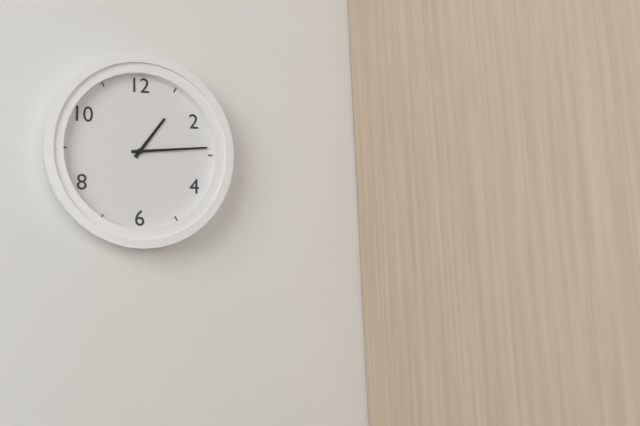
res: 1 h 14 min
